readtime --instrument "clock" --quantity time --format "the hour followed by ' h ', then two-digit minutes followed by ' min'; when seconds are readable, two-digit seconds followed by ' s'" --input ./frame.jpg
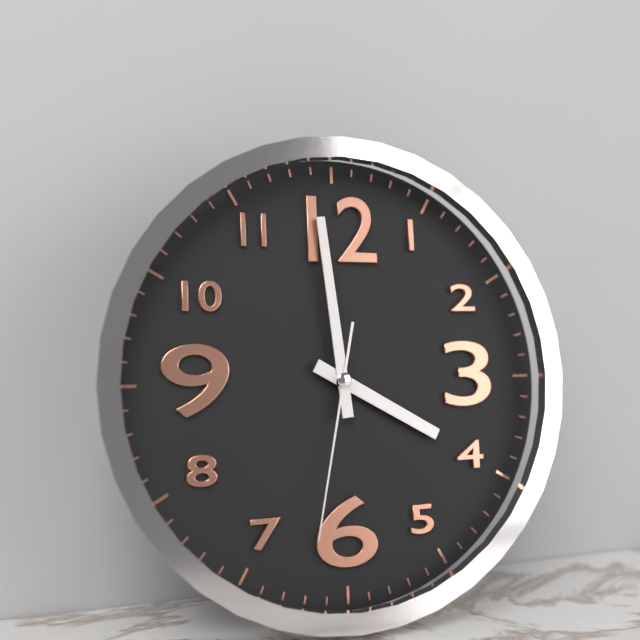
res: 3 h 59 min 32 s
